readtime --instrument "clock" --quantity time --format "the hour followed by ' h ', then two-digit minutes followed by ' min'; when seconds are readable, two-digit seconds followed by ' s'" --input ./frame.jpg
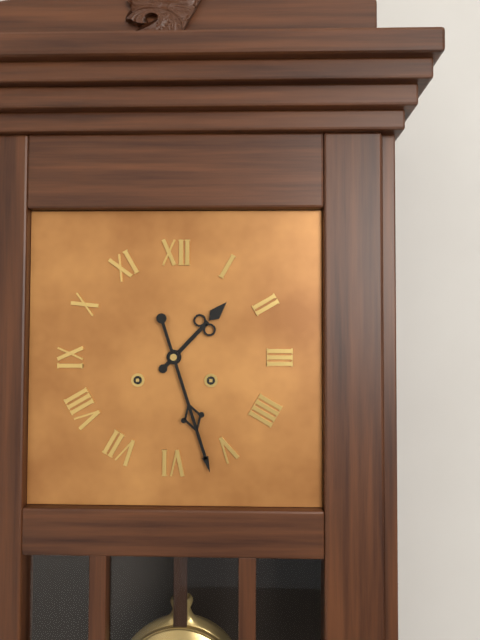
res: 1 h 27 min
